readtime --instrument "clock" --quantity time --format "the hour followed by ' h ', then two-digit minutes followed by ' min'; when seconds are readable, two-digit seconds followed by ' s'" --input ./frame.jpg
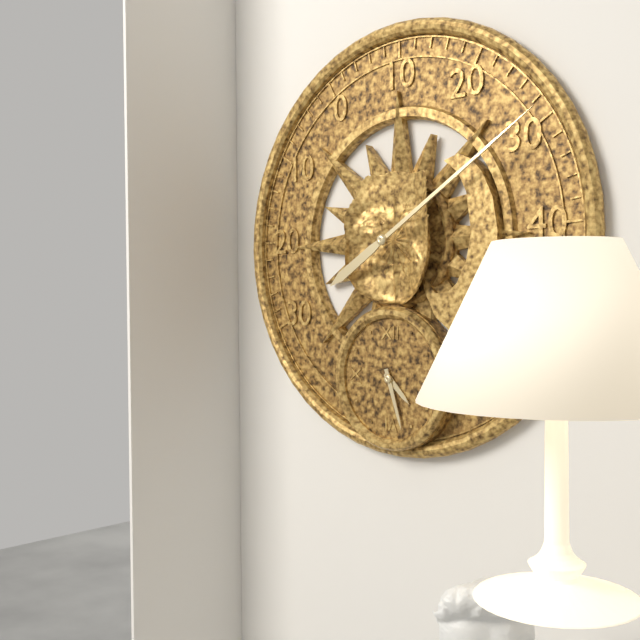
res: 4 h 27 min
